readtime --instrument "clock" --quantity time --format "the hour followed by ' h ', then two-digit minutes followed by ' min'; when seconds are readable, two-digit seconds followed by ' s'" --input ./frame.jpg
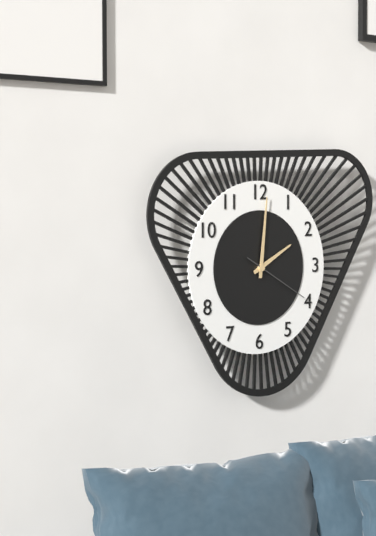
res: 2 h 01 min 20 s
